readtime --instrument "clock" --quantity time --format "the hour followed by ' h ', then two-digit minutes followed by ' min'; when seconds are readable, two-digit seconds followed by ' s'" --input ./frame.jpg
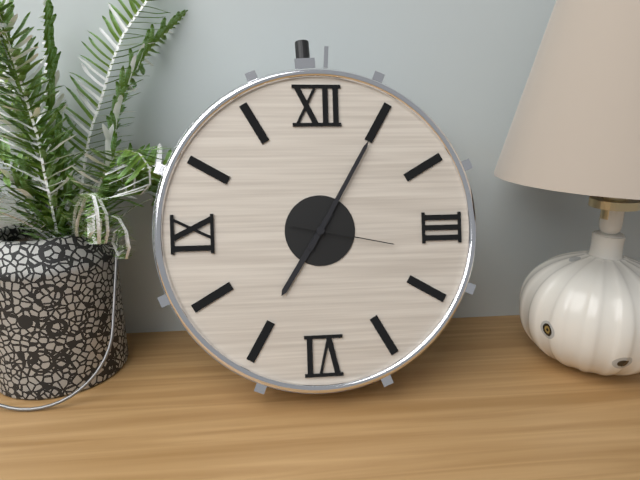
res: 7 h 05 min 17 s
